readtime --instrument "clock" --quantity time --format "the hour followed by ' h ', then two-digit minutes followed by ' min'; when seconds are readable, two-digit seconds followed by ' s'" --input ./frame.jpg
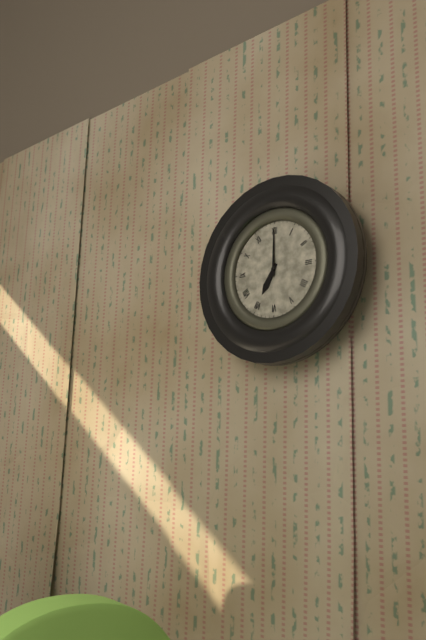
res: 7 h 00 min
